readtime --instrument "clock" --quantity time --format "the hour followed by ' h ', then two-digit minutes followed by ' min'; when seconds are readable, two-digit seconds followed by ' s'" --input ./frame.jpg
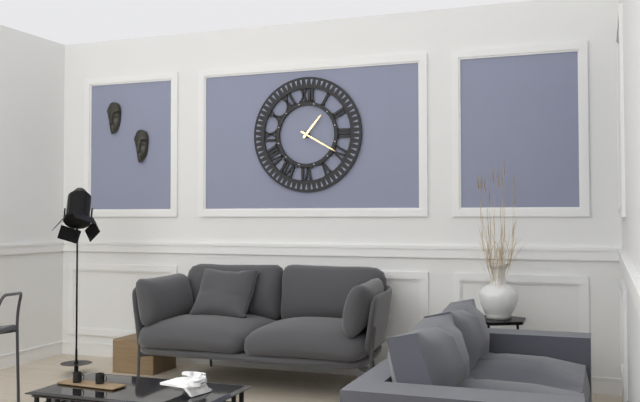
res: 1 h 20 min
